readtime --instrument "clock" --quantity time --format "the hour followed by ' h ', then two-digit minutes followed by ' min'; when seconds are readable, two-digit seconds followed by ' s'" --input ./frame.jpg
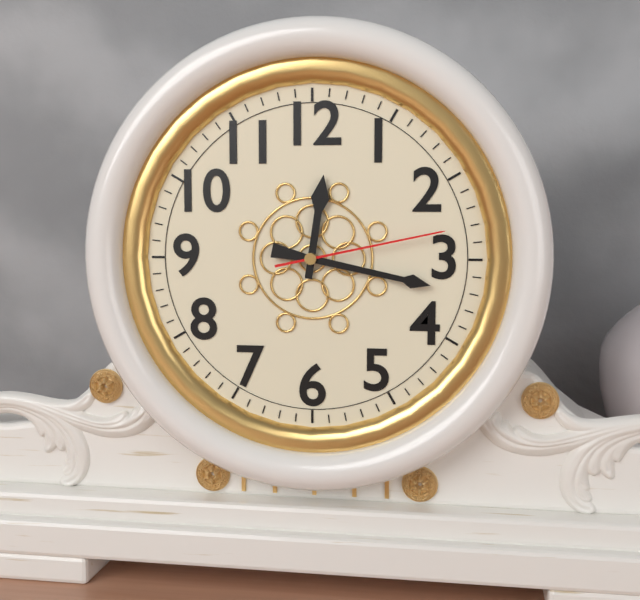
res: 12 h 17 min 13 s
